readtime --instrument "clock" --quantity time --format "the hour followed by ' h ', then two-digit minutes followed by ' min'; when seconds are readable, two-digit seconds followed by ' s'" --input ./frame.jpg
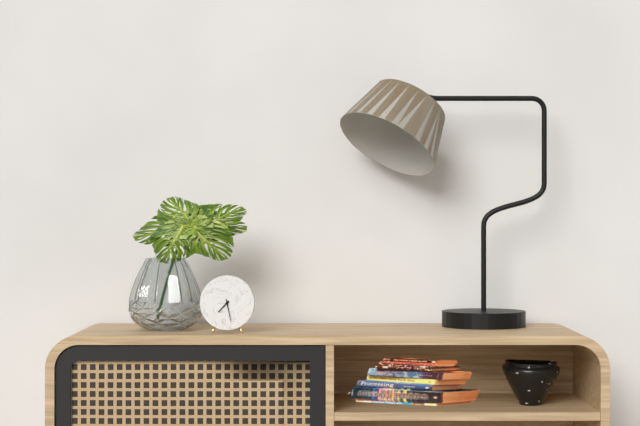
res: 7 h 28 min
